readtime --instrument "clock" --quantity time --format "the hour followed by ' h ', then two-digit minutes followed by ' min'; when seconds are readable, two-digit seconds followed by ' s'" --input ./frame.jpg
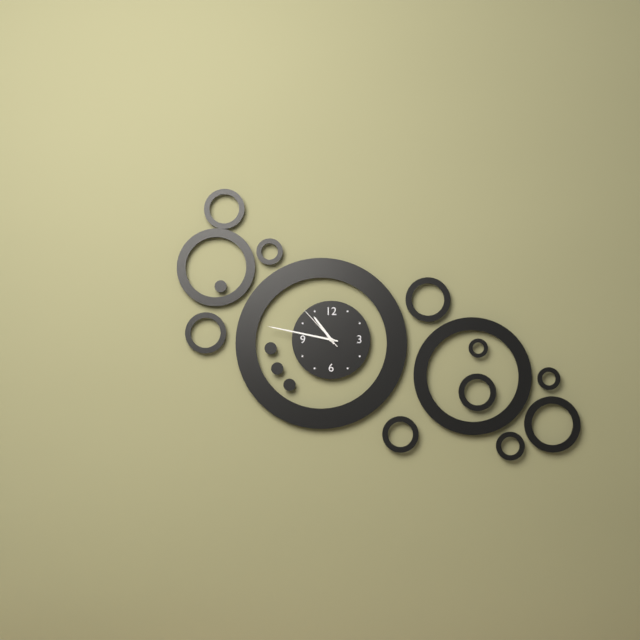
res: 10 h 47 min 53 s
